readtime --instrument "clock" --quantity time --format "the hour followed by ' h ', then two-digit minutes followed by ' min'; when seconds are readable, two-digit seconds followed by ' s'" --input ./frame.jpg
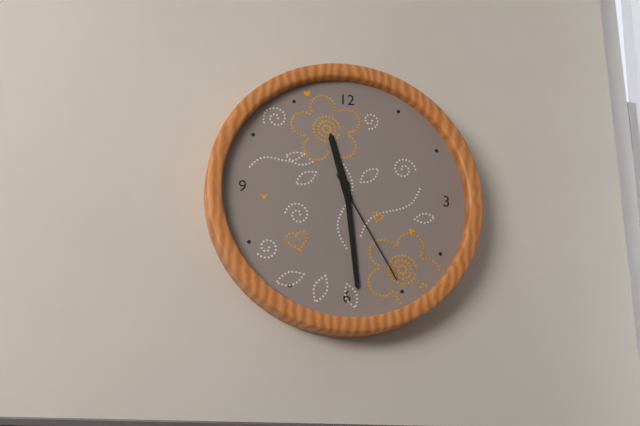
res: 11 h 29 min 25 s
